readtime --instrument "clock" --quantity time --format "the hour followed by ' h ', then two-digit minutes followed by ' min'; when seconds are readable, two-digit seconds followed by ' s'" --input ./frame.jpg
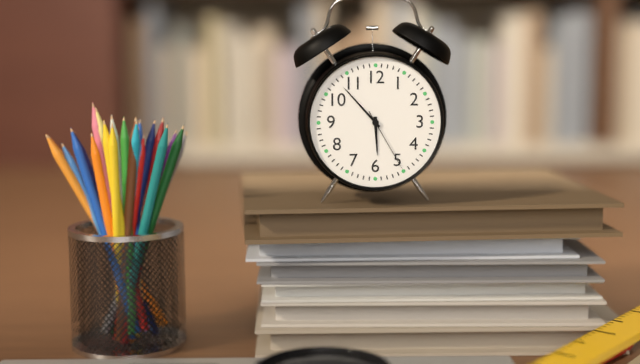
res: 5 h 53 min 25 s
